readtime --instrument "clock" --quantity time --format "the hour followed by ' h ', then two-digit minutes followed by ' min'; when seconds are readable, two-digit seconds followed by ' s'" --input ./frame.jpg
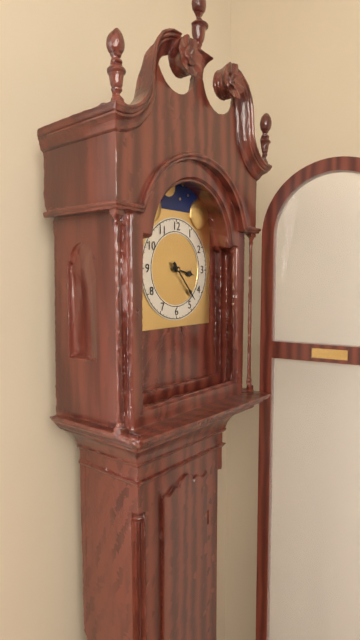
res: 3 h 23 min
